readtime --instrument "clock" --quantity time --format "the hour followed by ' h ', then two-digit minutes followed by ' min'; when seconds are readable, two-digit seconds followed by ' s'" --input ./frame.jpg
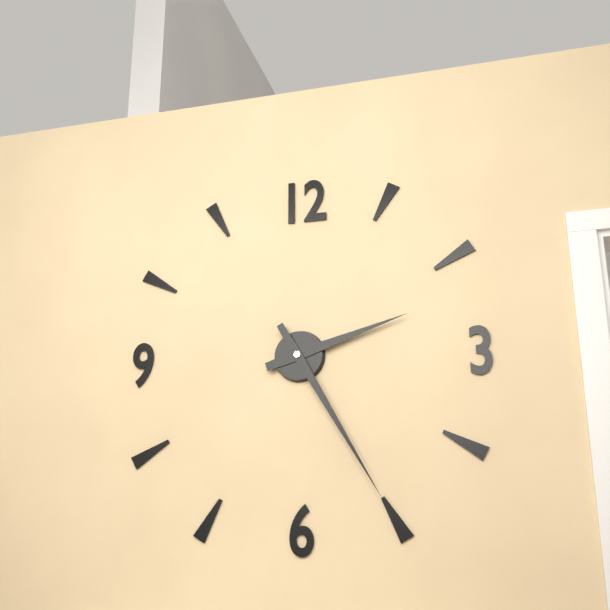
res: 2 h 25 min
